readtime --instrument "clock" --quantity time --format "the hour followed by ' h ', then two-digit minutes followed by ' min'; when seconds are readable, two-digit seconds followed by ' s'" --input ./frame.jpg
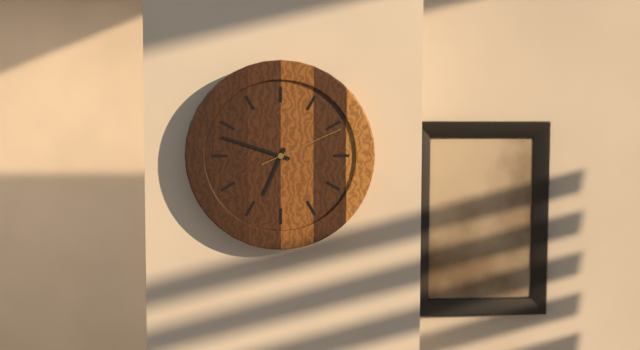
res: 6 h 48 min 11 s
